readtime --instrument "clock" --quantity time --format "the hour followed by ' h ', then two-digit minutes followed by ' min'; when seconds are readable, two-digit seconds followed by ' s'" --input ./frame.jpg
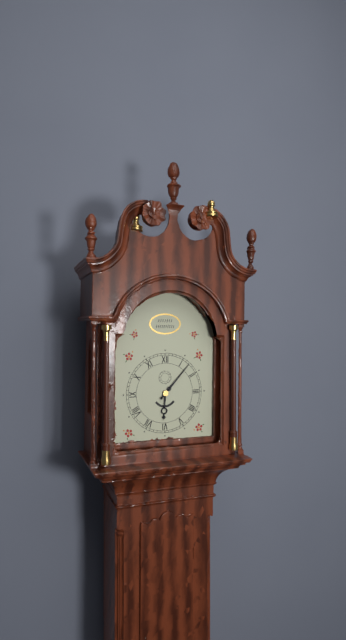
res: 6 h 07 min
